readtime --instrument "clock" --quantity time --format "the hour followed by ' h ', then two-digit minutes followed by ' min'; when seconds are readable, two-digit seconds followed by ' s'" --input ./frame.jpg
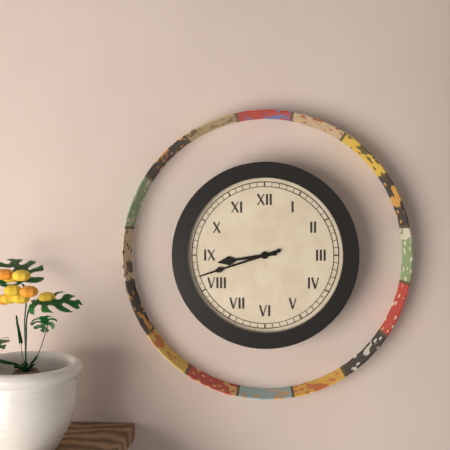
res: 8 h 42 min
